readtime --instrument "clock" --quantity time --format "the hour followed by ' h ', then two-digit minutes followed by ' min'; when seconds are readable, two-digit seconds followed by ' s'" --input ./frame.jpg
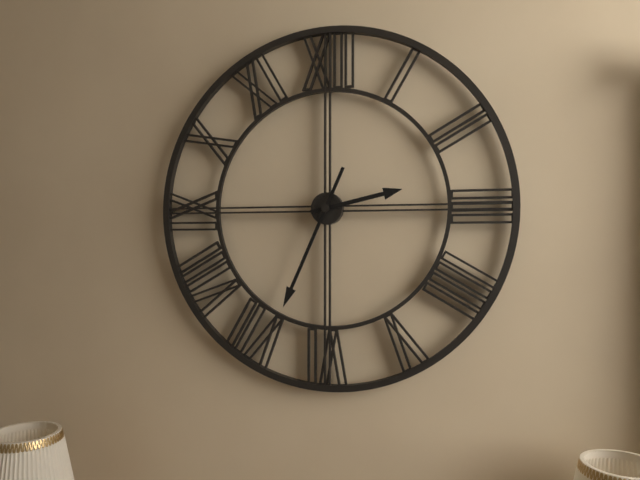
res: 2 h 34 min
